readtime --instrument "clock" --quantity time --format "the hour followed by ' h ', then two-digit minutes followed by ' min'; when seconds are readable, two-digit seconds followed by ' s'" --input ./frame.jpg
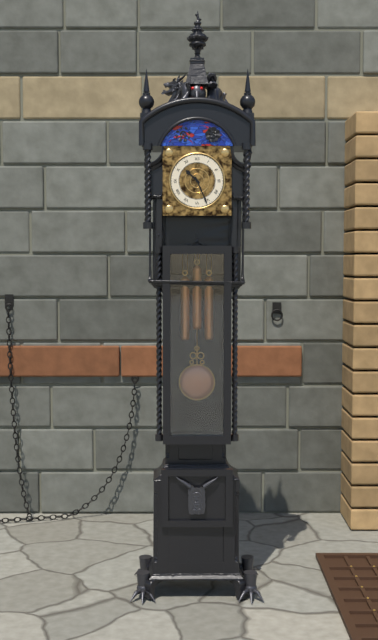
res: 10 h 26 min
